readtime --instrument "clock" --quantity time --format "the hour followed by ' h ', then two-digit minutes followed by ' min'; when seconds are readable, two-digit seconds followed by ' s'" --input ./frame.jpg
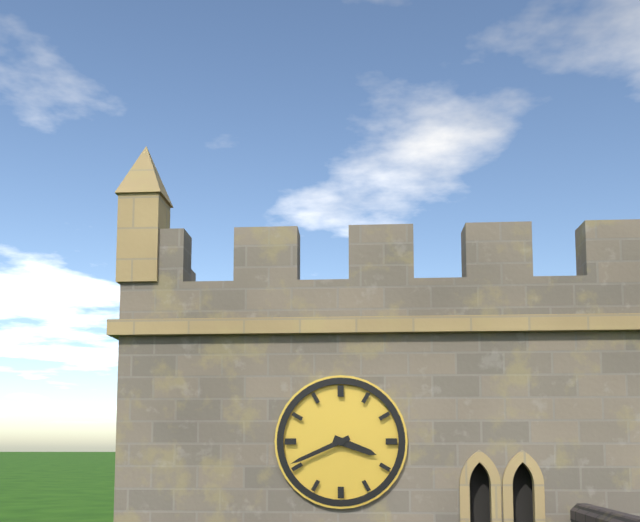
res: 3 h 41 min
